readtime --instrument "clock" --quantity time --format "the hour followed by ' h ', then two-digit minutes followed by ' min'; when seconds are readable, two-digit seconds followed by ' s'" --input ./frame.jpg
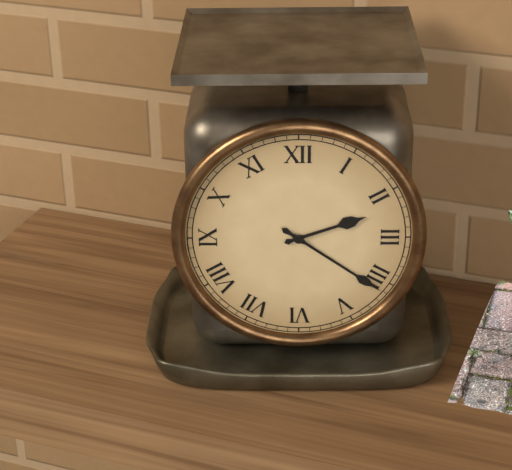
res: 2 h 21 min
